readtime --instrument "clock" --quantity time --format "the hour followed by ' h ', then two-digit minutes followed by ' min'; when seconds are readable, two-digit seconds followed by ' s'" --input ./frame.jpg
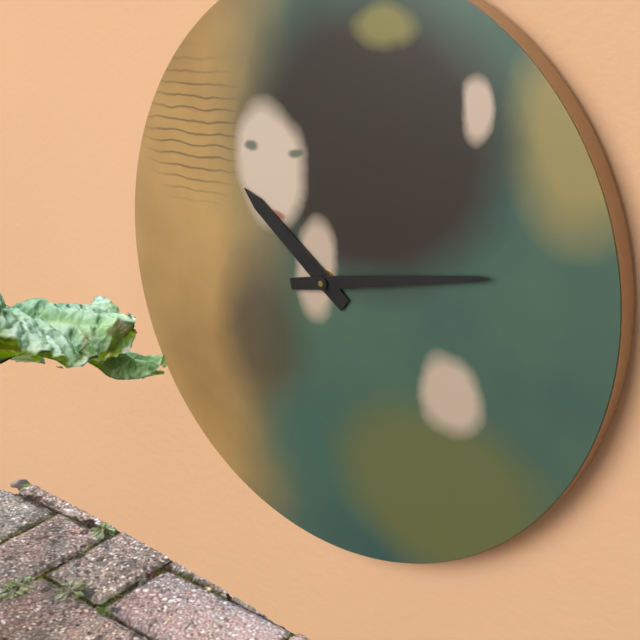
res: 10 h 13 min
